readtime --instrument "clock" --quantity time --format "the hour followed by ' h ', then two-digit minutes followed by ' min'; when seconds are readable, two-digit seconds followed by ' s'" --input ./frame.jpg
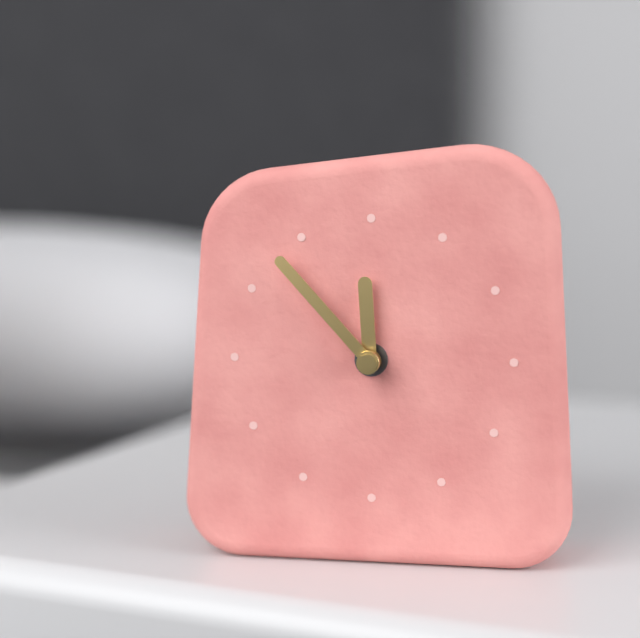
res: 11 h 53 min
